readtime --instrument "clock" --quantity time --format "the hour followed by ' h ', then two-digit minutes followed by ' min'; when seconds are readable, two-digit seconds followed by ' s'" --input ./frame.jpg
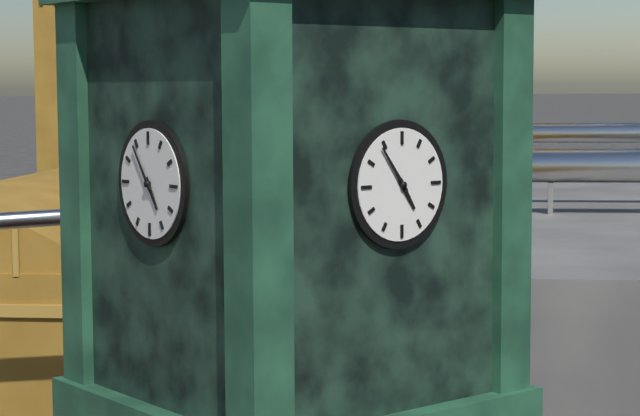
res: 4 h 54 min
